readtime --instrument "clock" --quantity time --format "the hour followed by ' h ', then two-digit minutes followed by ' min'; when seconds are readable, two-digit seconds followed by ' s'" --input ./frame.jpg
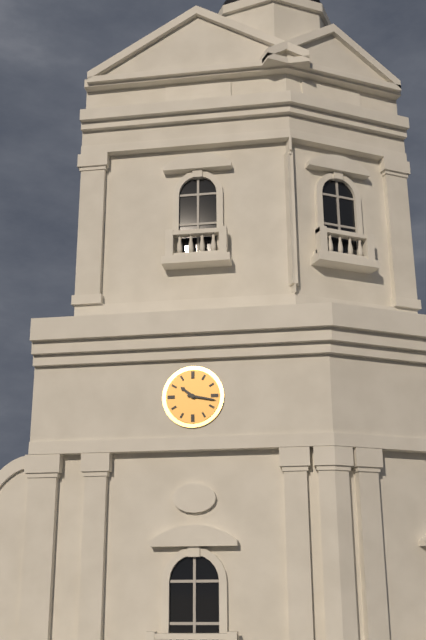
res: 10 h 17 min
